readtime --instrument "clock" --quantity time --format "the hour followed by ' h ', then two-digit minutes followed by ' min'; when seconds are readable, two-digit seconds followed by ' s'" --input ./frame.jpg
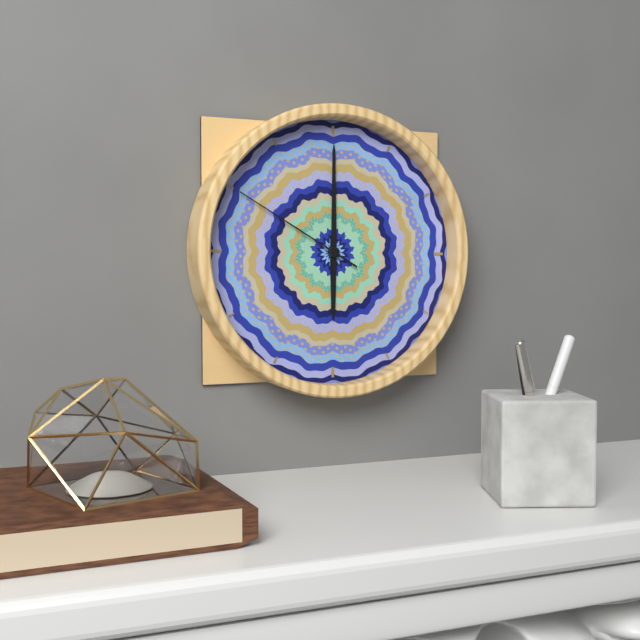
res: 6 h 00 min 50 s
